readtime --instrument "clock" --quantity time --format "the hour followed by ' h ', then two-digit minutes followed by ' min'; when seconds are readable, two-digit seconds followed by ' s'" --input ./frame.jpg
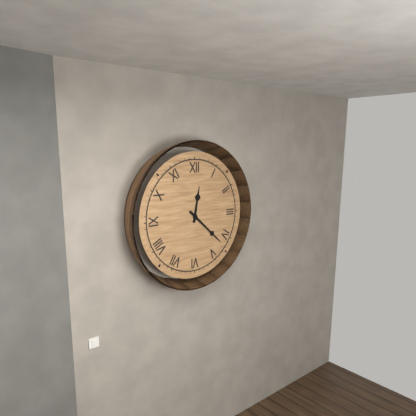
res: 12 h 22 min
